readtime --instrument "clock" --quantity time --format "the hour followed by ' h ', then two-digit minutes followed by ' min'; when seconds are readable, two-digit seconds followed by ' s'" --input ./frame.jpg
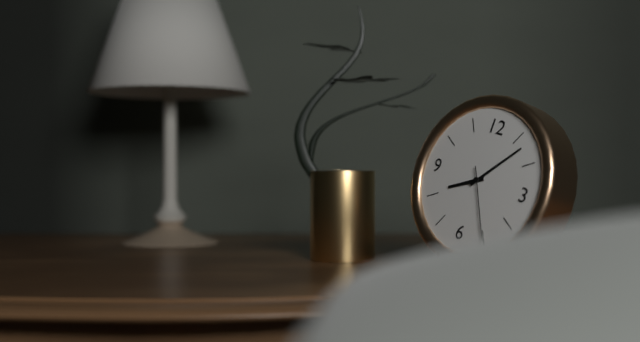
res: 8 h 07 min 25 s
